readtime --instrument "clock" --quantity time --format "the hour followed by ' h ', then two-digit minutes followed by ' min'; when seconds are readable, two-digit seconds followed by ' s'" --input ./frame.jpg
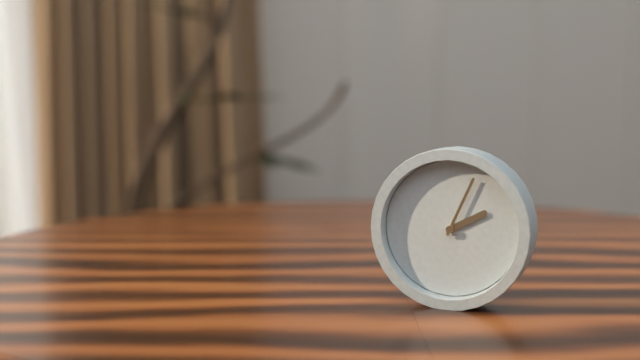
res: 2 h 04 min
